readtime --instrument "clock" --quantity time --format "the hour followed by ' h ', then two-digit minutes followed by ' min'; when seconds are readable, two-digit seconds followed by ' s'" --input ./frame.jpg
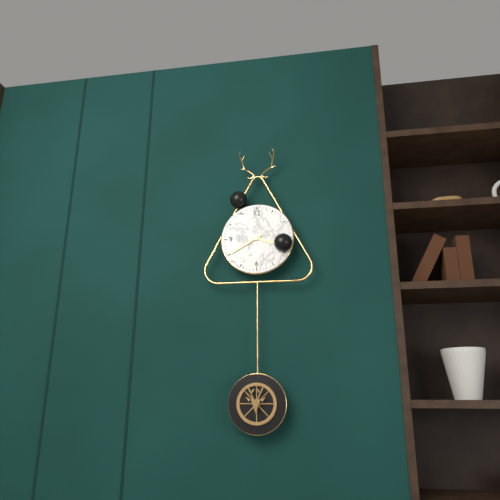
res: 3 h 40 min
